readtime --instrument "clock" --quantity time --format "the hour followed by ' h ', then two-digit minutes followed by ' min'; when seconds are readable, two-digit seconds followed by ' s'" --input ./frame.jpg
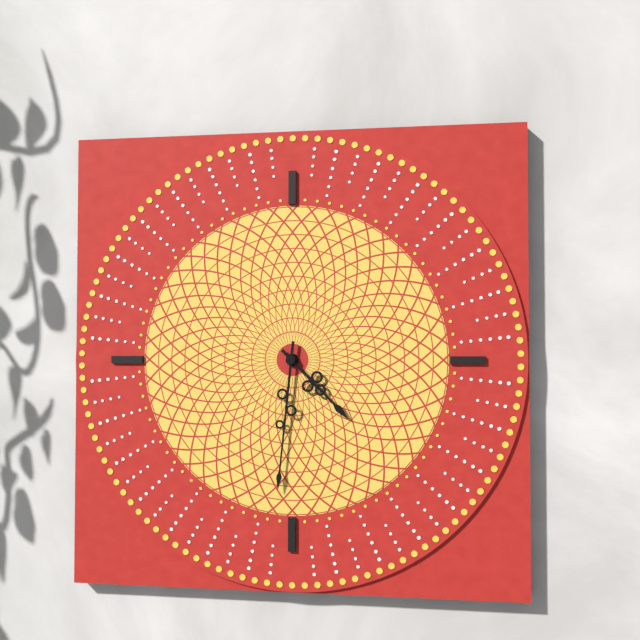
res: 4 h 31 min
